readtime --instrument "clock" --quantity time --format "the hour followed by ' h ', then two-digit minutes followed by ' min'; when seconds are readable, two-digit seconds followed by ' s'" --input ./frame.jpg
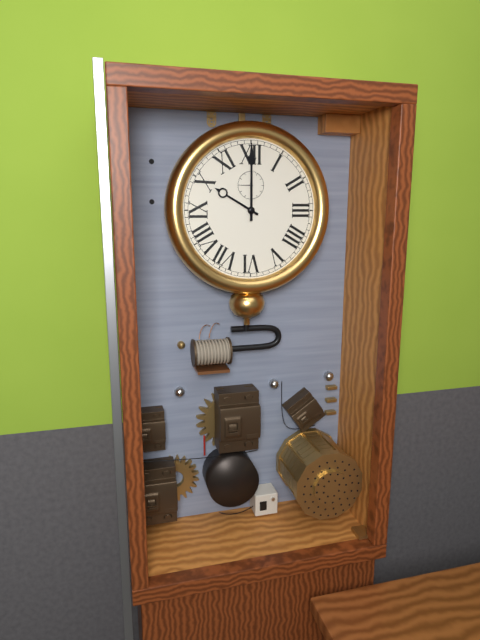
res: 10 h 00 min
